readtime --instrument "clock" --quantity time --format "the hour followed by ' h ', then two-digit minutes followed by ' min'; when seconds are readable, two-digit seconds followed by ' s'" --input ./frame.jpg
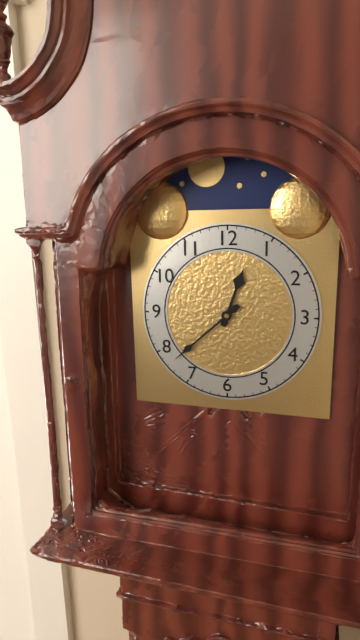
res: 12 h 38 min
